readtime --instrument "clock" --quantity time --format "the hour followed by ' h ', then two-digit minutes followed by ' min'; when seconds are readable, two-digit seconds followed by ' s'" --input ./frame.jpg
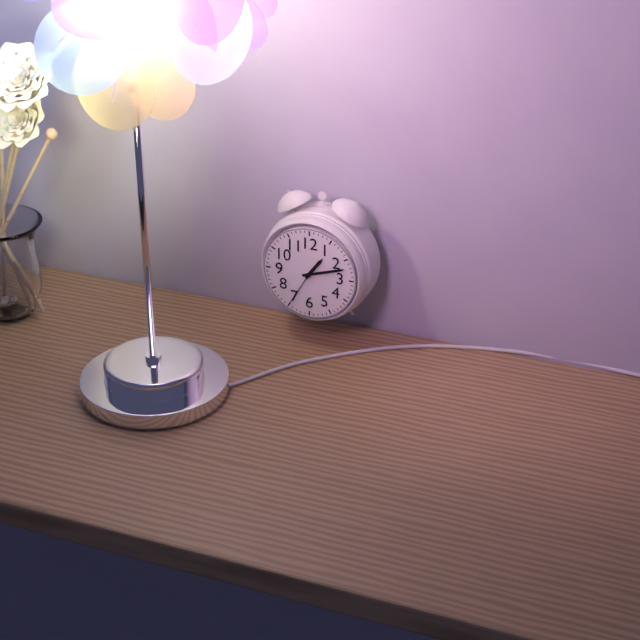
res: 1 h 12 min
